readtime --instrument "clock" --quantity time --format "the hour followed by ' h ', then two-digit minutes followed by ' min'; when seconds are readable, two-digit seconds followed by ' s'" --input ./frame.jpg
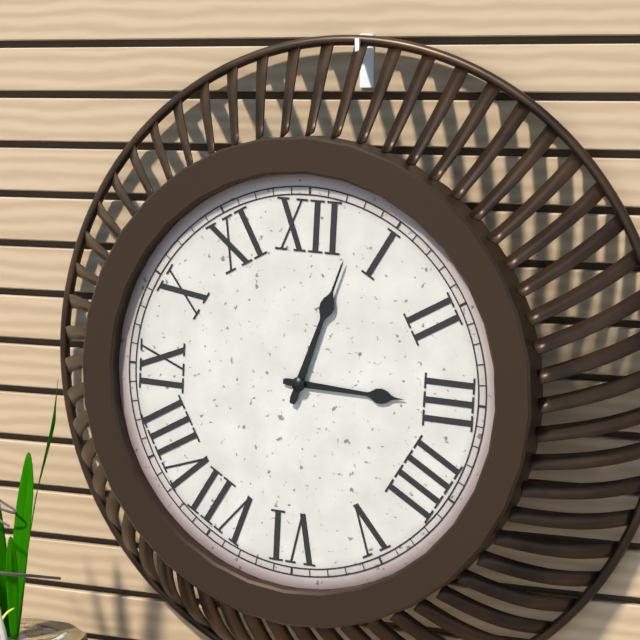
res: 3 h 03 min
